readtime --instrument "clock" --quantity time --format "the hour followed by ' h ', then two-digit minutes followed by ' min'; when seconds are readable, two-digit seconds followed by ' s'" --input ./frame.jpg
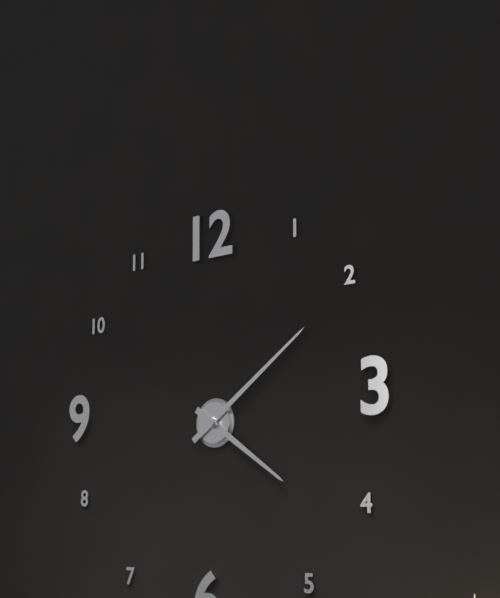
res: 4 h 09 min
